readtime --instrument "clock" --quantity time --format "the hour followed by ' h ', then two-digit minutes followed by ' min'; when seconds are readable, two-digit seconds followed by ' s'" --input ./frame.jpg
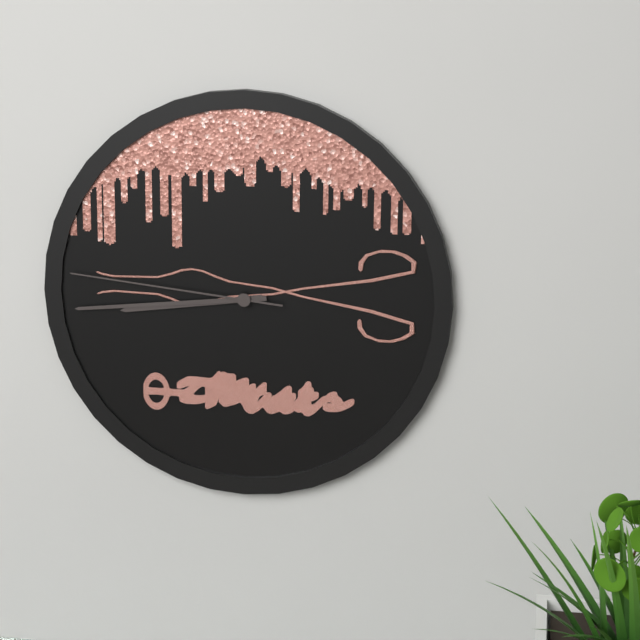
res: 8 h 44 min 46 s
